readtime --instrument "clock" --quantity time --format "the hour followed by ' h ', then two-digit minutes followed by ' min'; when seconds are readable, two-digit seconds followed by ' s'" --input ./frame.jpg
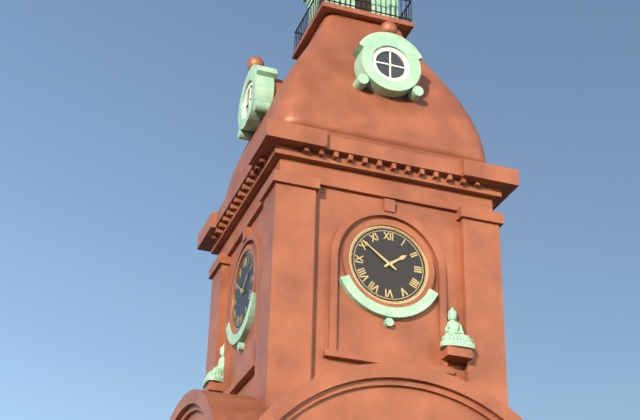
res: 1 h 51 min
